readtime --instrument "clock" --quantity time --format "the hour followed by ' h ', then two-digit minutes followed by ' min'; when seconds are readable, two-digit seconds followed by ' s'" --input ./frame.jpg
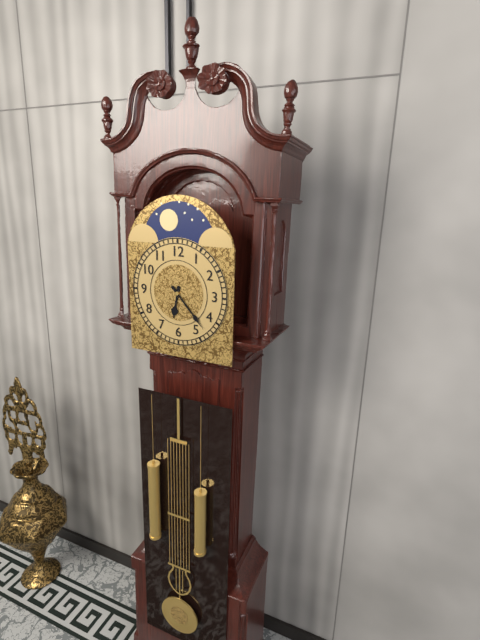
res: 6 h 23 min
